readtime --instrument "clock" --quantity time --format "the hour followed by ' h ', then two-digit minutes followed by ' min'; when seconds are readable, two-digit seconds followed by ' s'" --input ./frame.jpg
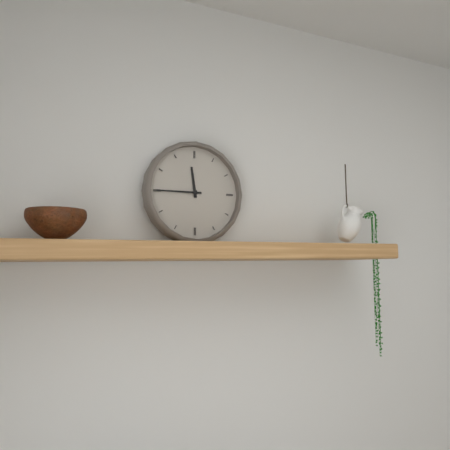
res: 11 h 45 min
